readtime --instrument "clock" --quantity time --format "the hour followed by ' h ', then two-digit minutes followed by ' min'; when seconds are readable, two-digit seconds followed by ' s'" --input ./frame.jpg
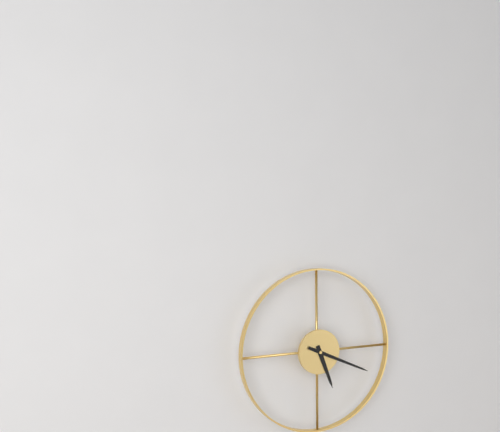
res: 5 h 19 min
